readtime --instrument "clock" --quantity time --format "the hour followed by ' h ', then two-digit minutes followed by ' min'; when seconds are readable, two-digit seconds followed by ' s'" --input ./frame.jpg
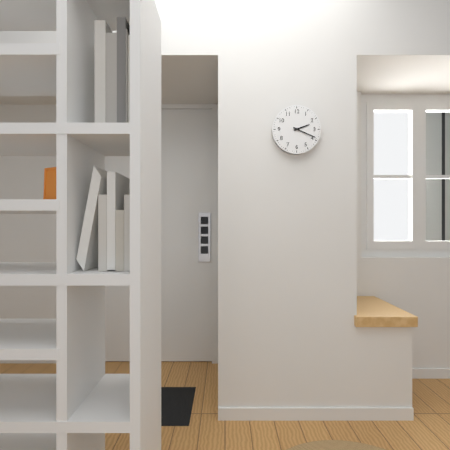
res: 2 h 19 min
